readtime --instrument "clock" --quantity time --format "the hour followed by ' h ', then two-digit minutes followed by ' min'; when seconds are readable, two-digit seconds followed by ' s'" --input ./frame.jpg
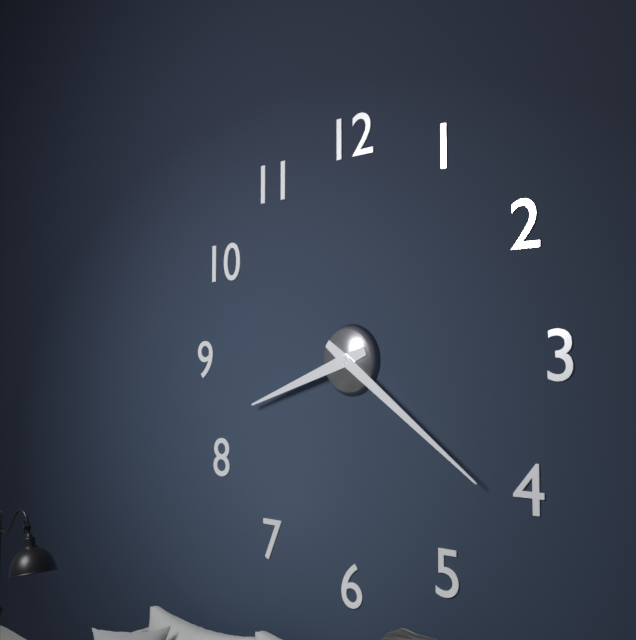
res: 8 h 21 min
